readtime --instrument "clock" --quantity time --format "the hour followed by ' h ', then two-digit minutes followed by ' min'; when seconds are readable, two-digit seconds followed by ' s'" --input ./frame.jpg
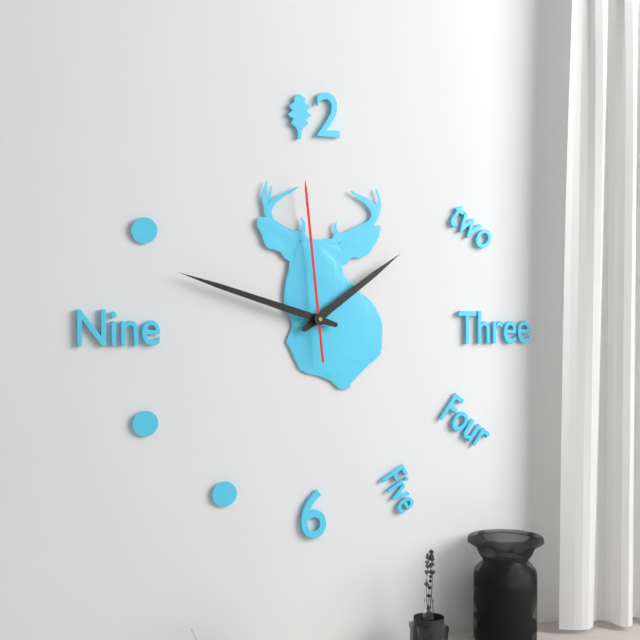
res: 1 h 48 min 59 s
